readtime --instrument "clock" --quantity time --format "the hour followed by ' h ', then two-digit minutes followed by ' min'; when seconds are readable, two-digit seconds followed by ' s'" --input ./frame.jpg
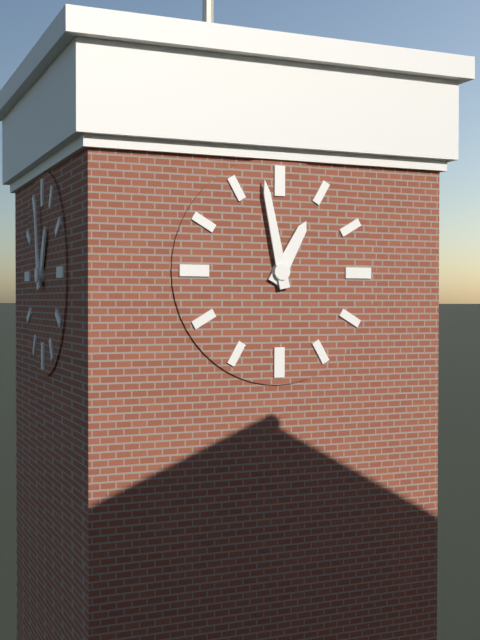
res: 12 h 58 min
